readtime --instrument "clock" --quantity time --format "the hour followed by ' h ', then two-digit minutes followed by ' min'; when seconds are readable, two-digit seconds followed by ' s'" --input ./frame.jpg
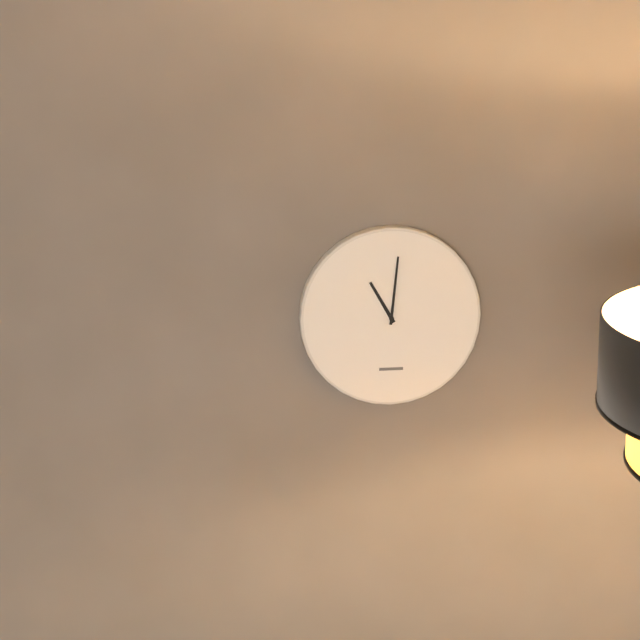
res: 11 h 01 min
